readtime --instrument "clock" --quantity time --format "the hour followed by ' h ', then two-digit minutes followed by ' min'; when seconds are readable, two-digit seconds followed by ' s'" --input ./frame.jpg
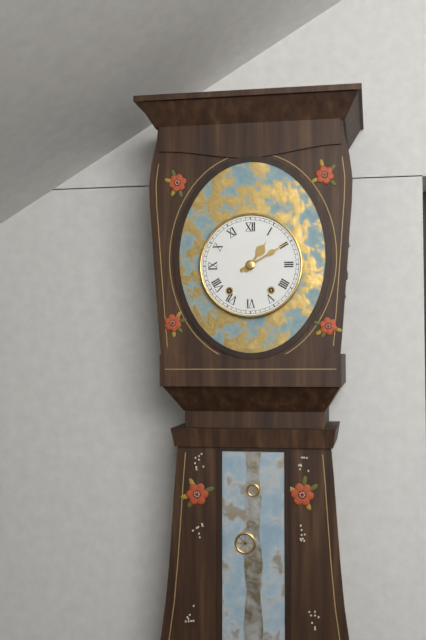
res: 1 h 10 min
